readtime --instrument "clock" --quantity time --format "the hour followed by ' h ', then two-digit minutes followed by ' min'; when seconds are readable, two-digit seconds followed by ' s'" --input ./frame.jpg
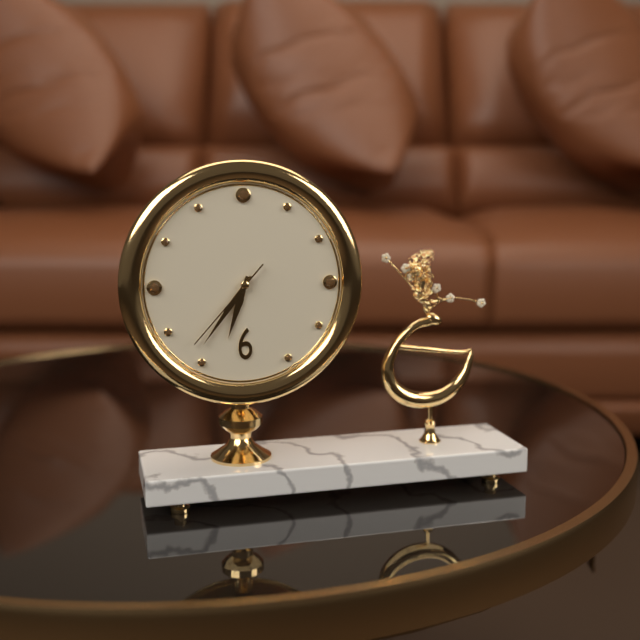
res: 6 h 36 min 37 s
